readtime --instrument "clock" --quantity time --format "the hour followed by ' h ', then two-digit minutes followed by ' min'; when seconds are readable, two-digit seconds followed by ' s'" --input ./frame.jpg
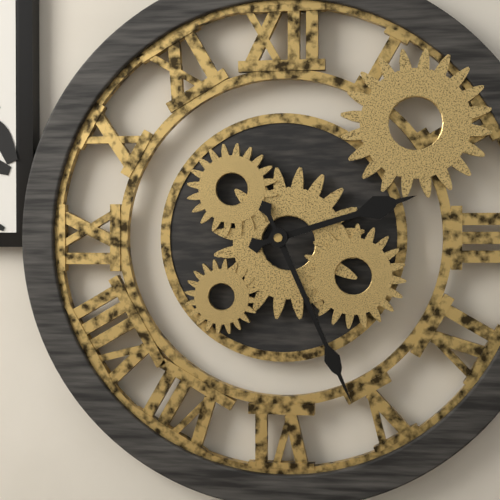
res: 2 h 26 min
